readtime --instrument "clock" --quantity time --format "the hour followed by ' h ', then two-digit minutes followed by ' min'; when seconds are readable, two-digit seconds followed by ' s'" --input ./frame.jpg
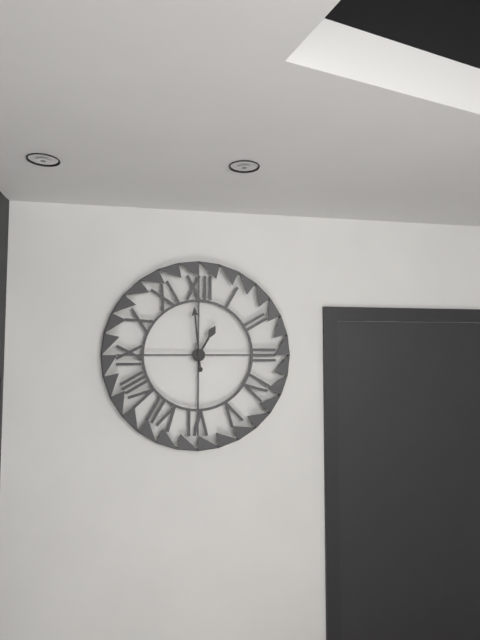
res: 12 h 59 min
